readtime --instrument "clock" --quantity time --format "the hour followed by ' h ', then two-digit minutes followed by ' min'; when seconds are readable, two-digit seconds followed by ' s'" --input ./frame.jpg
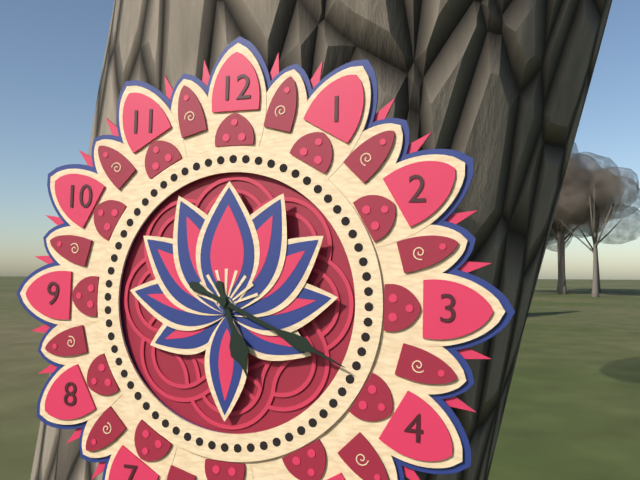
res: 5 h 19 min
